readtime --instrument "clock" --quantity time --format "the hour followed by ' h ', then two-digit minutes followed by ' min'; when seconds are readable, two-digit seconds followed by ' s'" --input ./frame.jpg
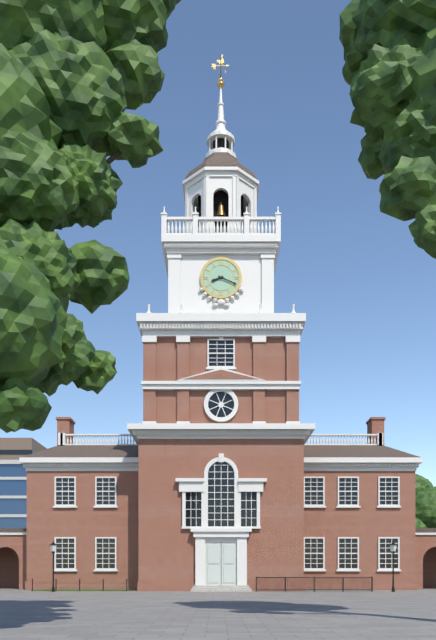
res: 8 h 19 min
